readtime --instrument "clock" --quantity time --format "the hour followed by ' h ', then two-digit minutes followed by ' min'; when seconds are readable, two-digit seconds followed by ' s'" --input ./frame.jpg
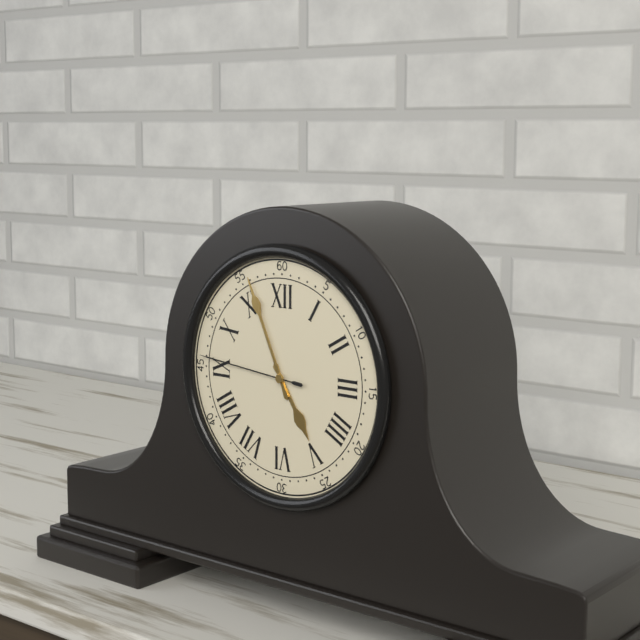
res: 4 h 56 min 46 s
